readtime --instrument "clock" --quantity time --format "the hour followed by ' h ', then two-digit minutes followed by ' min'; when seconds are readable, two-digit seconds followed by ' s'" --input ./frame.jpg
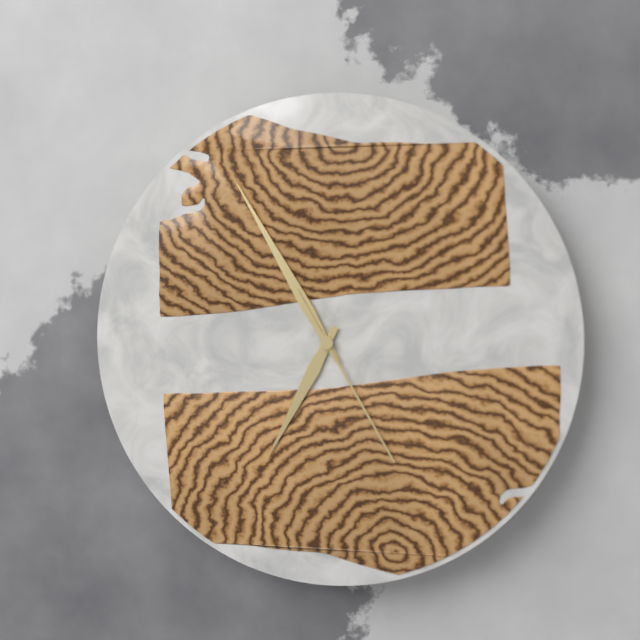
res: 6 h 55 min 25 s
